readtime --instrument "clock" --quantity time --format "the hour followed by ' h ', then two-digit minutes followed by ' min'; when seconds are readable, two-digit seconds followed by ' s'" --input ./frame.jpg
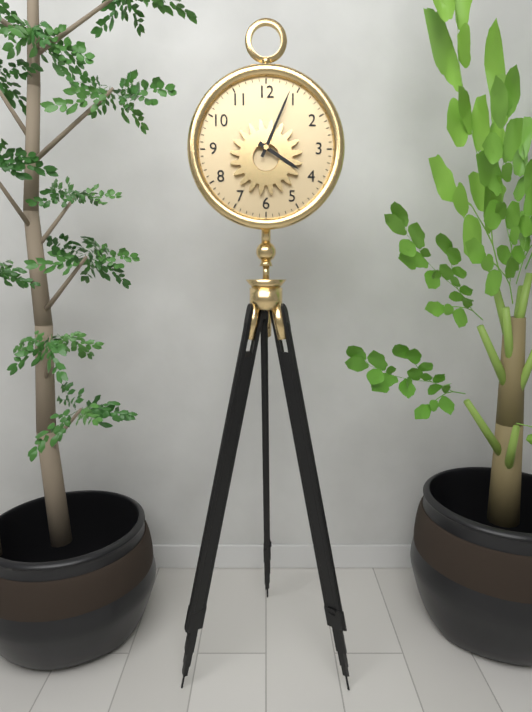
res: 4 h 04 min
